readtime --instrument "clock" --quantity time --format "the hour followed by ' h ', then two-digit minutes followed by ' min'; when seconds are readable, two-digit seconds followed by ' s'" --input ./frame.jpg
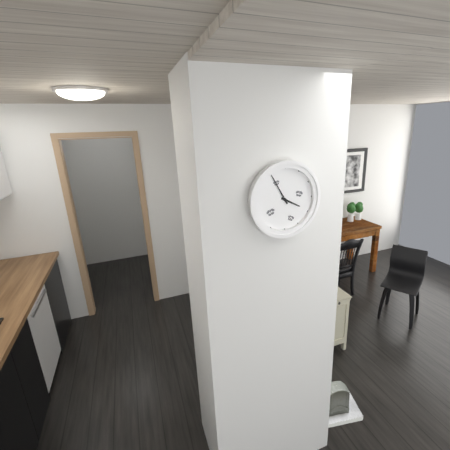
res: 3 h 55 min
